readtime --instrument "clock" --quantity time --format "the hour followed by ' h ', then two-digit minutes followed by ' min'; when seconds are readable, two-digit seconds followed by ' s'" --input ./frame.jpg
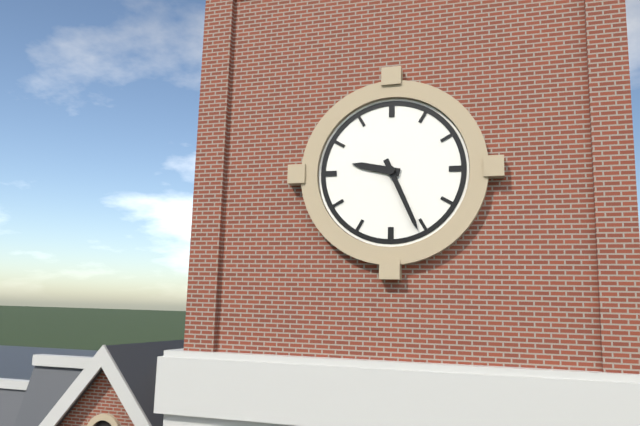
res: 9 h 26 min
